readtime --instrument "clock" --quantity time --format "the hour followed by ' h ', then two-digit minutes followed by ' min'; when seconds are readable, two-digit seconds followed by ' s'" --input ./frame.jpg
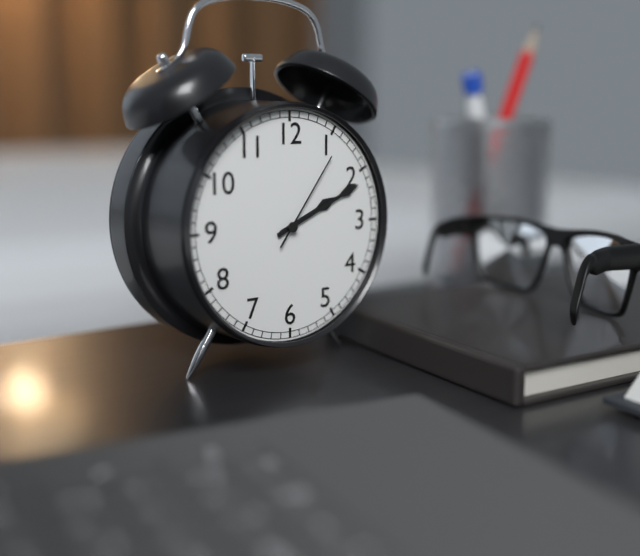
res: 2 h 11 min 06 s
